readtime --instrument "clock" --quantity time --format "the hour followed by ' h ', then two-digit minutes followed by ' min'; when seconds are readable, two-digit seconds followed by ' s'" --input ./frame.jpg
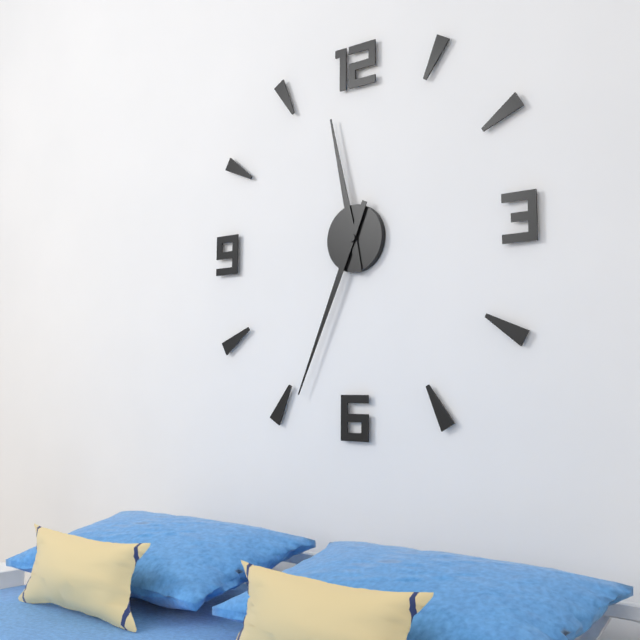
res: 11 h 34 min
